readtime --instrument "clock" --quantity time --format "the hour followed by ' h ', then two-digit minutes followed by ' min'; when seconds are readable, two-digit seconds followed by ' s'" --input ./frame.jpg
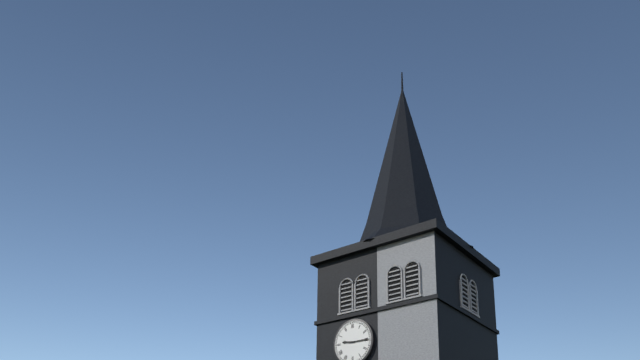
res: 9 h 15 min
